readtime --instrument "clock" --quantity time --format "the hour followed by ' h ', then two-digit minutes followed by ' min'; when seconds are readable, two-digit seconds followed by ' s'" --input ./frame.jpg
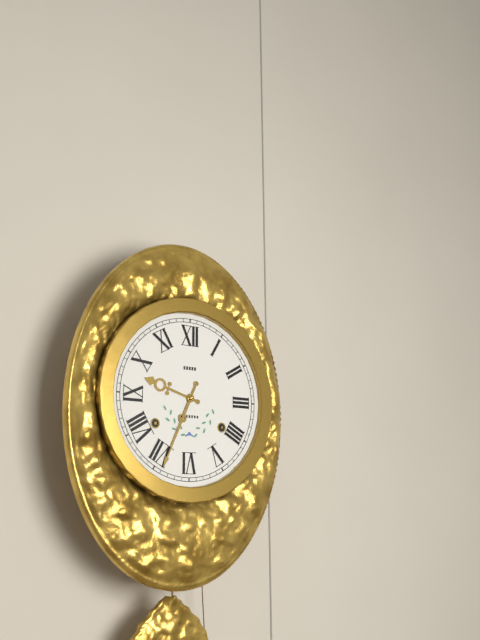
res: 9 h 34 min
